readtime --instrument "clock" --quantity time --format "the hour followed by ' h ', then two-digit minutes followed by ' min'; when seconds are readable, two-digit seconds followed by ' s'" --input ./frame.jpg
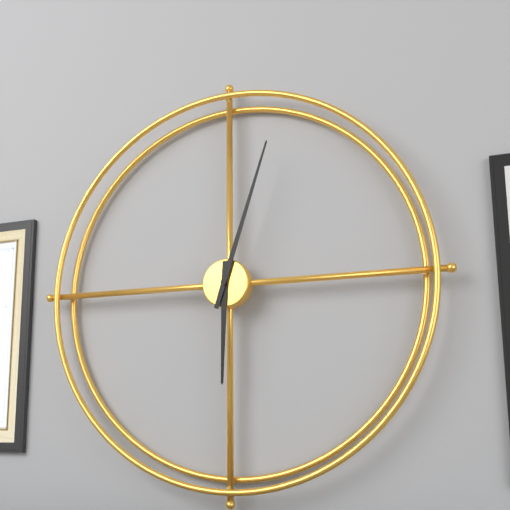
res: 6 h 03 min
